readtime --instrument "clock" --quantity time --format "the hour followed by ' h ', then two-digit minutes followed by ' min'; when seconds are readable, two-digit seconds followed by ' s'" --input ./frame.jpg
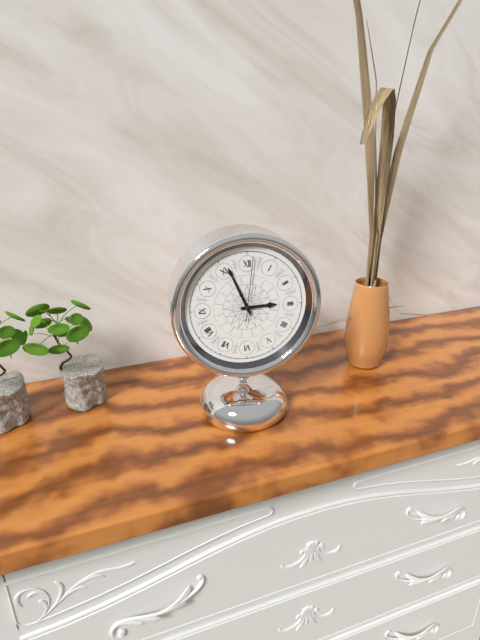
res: 2 h 56 min 01 s
